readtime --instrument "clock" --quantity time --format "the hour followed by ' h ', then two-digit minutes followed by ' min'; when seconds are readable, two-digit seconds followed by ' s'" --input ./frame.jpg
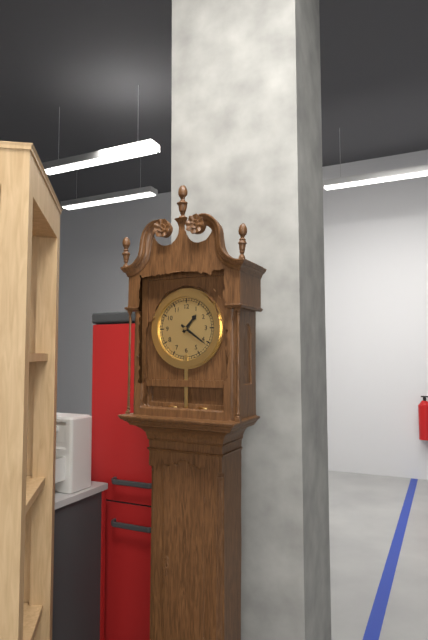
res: 1 h 21 min
